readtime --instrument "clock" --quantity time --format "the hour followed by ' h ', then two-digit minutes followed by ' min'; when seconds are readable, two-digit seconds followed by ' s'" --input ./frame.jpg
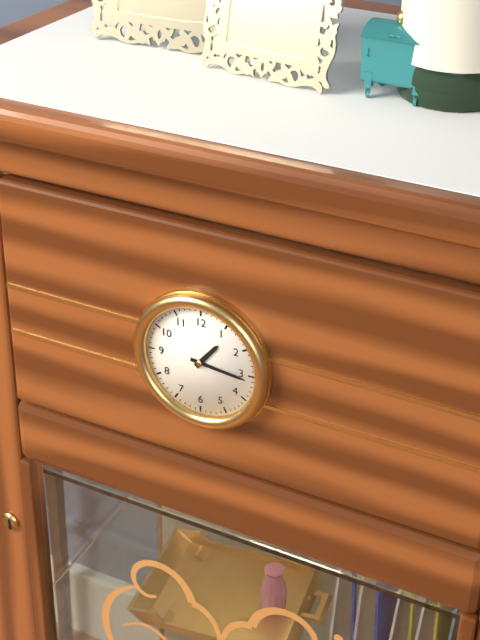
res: 1 h 16 min
